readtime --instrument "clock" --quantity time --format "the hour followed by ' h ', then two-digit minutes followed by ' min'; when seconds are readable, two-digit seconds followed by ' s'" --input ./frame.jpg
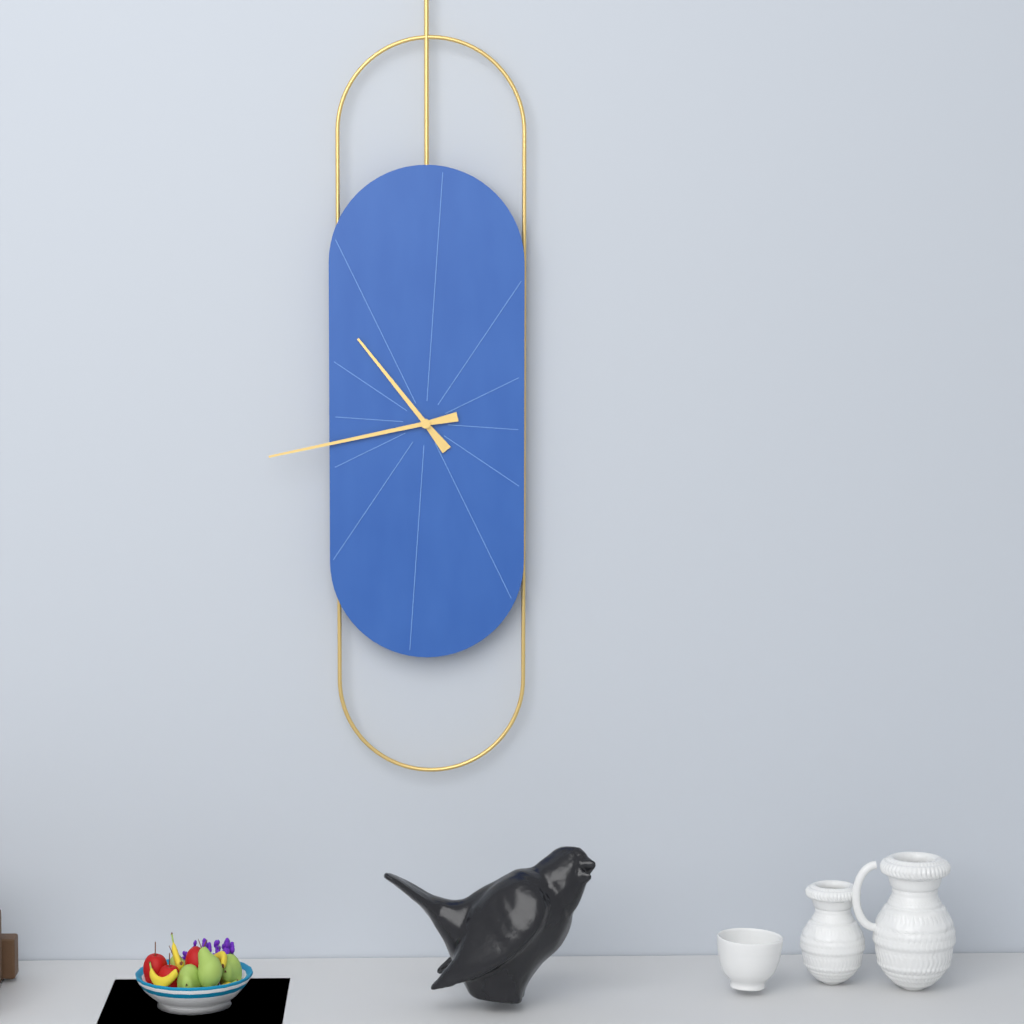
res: 10 h 43 min
